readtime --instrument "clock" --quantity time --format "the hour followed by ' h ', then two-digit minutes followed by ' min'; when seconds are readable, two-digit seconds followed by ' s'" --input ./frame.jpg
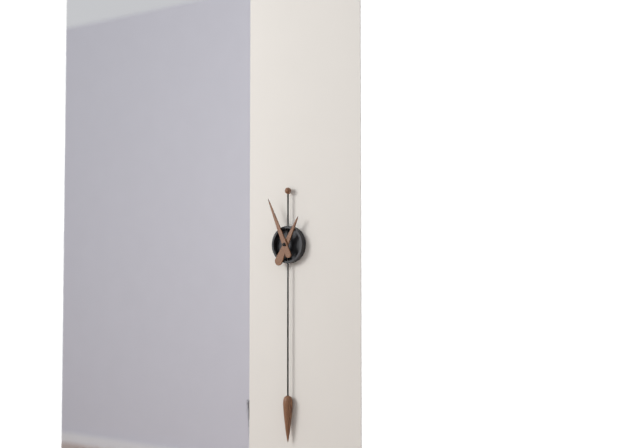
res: 12 h 56 min
